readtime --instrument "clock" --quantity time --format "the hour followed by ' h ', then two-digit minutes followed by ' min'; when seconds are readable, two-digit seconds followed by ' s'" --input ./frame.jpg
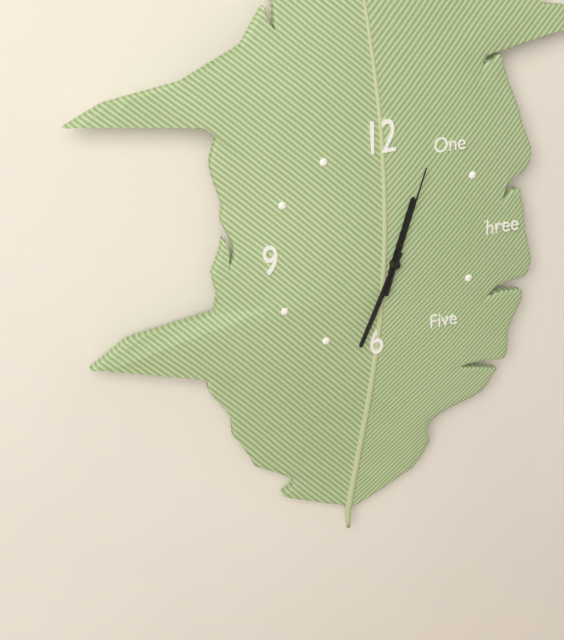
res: 12 h 34 min 03 s
